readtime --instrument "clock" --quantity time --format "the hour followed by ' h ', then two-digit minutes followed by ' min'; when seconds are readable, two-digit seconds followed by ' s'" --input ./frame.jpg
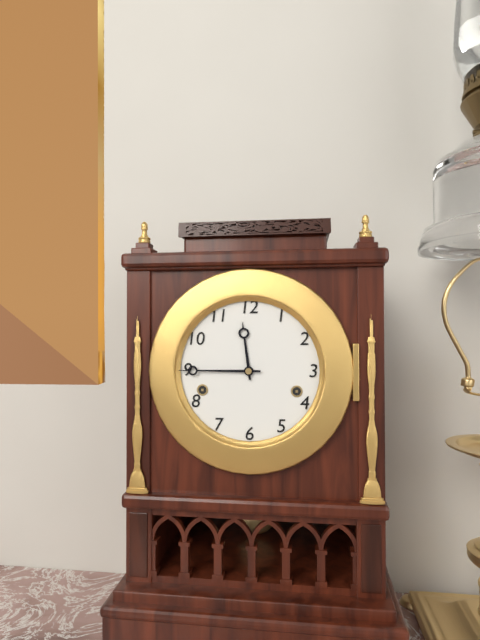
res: 11 h 45 min
